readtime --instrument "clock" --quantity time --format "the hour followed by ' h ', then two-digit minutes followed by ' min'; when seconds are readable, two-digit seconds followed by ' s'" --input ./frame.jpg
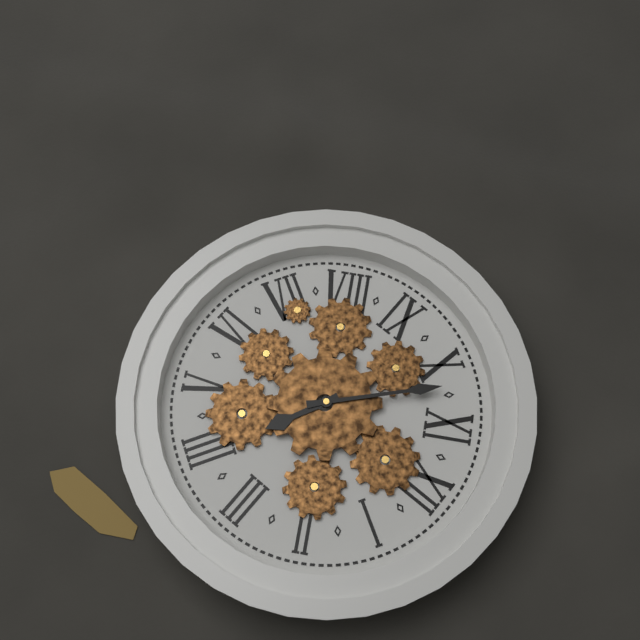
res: 3 h 52 min
